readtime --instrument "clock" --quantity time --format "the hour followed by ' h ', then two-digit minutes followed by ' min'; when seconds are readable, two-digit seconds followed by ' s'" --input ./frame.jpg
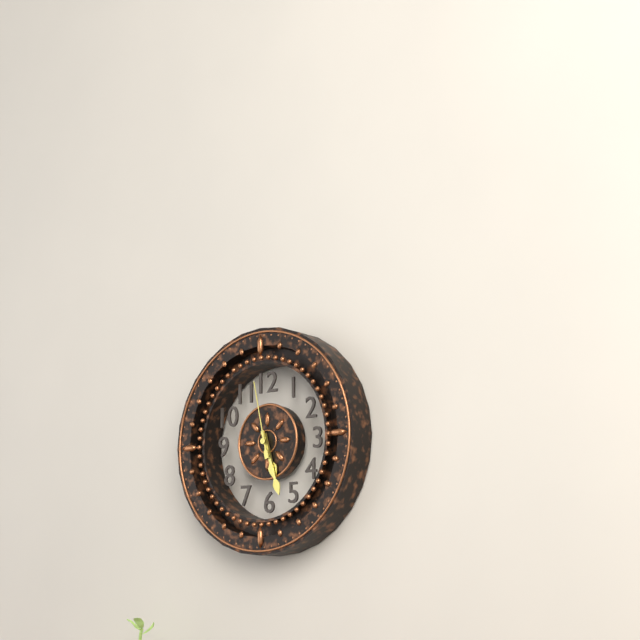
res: 5 h 27 min 58 s
